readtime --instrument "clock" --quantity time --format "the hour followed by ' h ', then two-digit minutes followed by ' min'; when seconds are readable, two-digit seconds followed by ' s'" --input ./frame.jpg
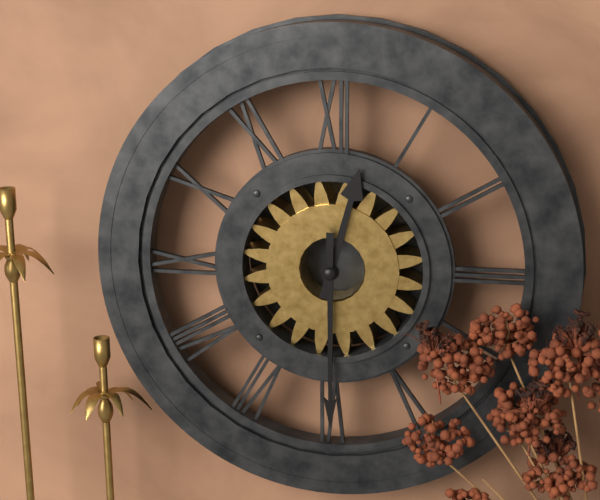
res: 12 h 30 min
